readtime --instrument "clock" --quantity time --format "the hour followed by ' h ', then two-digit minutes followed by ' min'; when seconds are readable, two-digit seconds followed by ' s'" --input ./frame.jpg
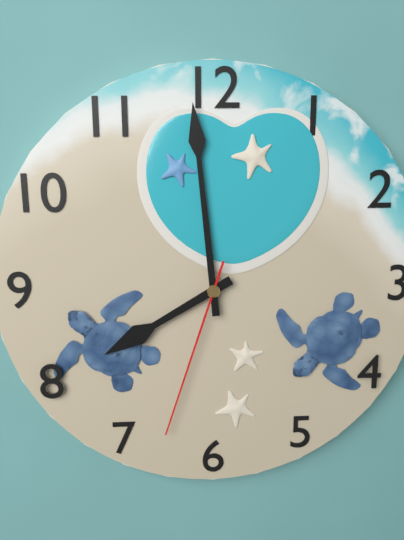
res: 7 h 59 min 33 s
